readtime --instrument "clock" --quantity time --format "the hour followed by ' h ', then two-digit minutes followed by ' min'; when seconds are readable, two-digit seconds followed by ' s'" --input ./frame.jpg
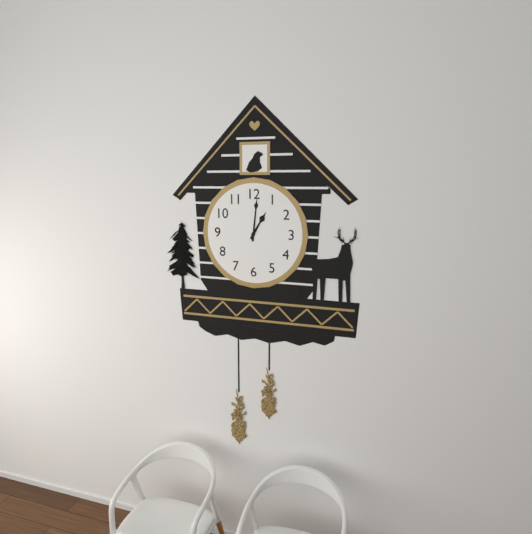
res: 1 h 01 min
